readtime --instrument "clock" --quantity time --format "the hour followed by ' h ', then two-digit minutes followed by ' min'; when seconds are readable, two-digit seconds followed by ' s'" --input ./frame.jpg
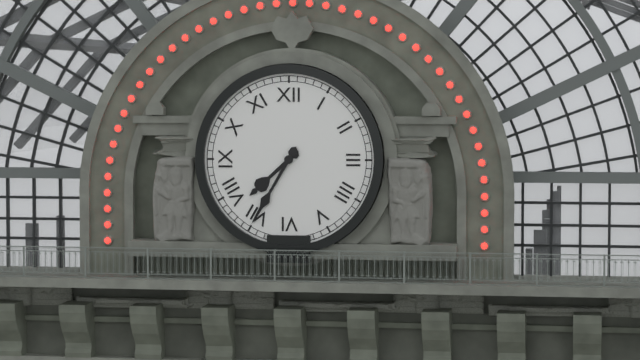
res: 7 h 35 min
